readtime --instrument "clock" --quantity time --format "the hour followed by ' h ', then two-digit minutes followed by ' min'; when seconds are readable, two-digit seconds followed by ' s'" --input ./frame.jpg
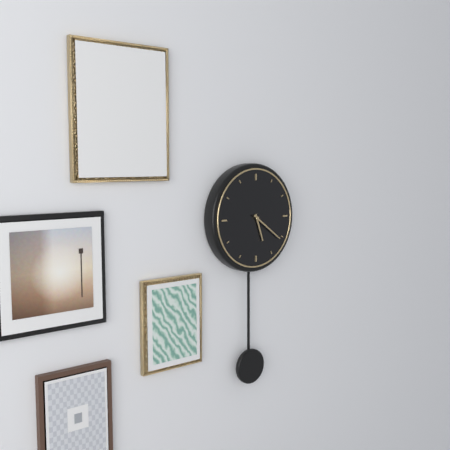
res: 5 h 21 min
